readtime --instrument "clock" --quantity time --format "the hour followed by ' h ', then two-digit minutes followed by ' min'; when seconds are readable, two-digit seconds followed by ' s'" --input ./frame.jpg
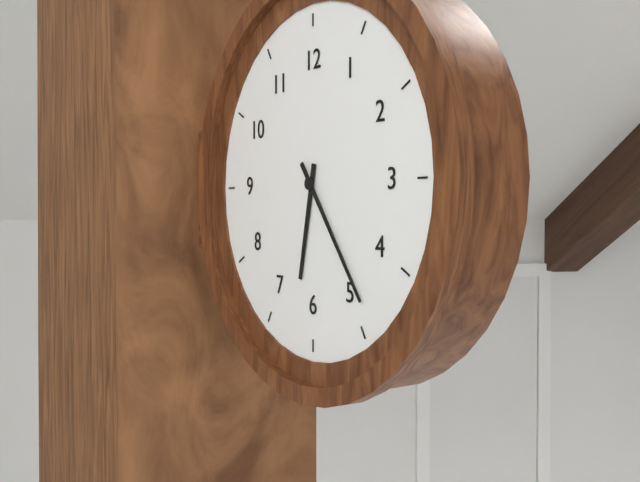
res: 6 h 24 min
